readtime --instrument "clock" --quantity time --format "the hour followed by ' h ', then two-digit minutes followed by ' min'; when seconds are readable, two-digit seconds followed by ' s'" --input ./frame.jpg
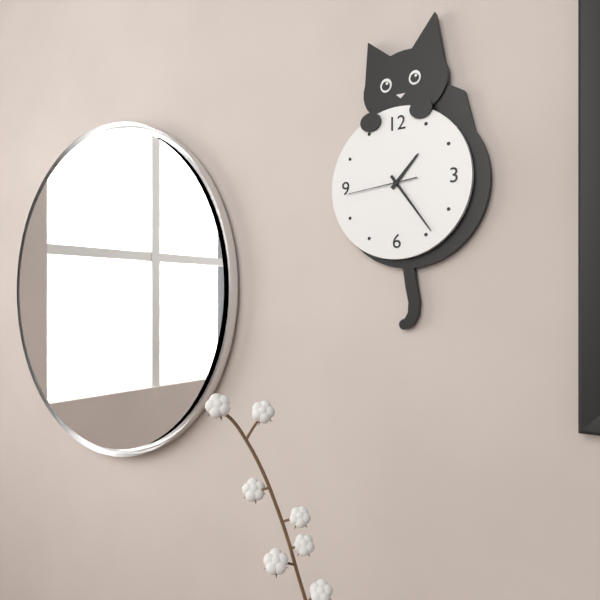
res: 1 h 24 min 44 s
